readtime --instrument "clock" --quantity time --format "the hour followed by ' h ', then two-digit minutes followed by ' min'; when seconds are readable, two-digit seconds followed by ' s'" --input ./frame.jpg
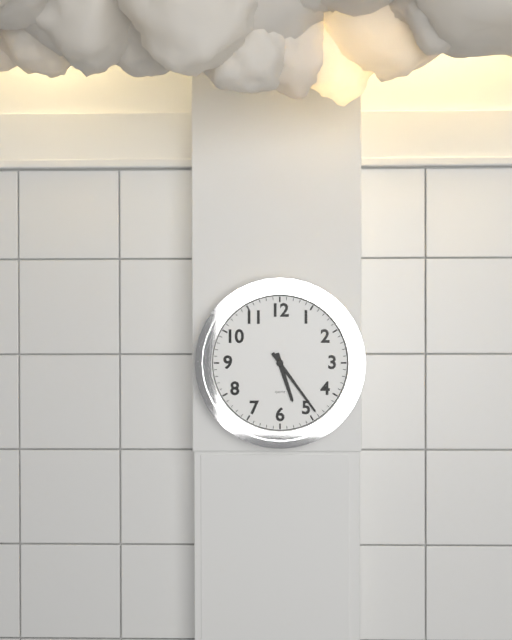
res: 5 h 24 min
